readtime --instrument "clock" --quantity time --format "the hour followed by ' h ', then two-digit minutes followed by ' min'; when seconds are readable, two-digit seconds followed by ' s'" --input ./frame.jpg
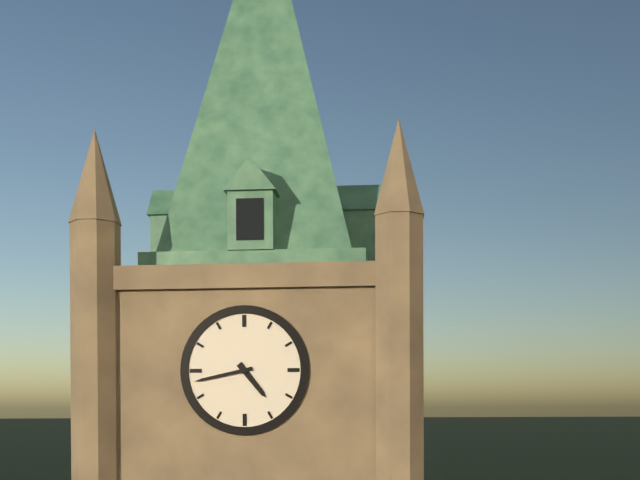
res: 4 h 43 min
